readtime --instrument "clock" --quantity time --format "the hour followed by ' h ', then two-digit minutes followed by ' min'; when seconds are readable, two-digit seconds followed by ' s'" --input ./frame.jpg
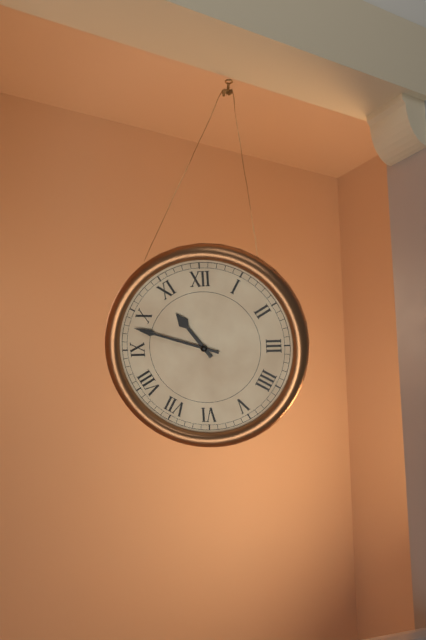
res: 10 h 48 min
